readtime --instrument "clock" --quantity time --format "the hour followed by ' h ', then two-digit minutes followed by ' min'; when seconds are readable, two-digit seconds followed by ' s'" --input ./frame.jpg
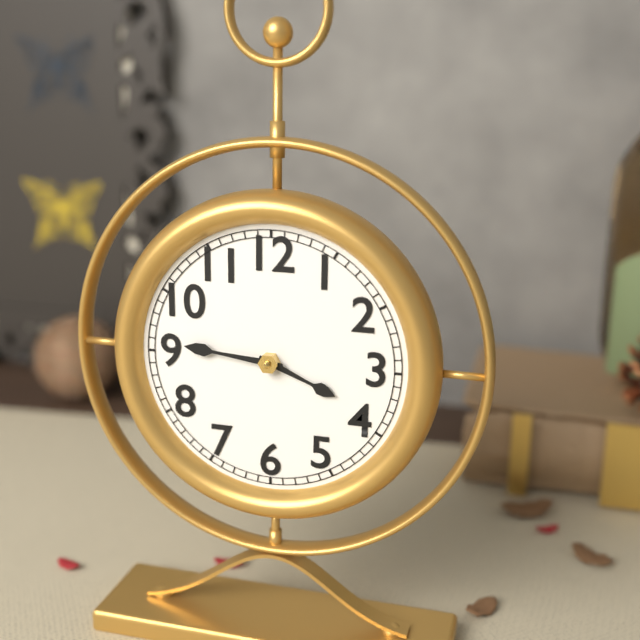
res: 3 h 46 min
